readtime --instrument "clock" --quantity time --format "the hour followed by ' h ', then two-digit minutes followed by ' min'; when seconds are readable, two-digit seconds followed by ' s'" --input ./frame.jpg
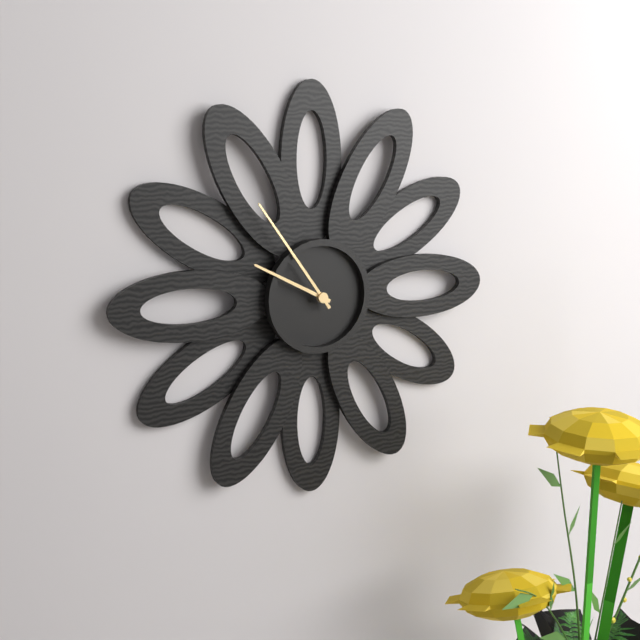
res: 9 h 54 min
